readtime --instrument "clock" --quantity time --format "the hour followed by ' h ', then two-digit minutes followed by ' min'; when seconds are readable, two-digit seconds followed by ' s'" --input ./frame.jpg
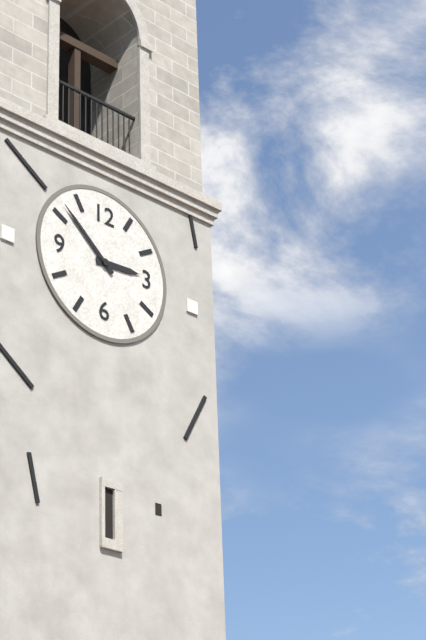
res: 2 h 52 min
